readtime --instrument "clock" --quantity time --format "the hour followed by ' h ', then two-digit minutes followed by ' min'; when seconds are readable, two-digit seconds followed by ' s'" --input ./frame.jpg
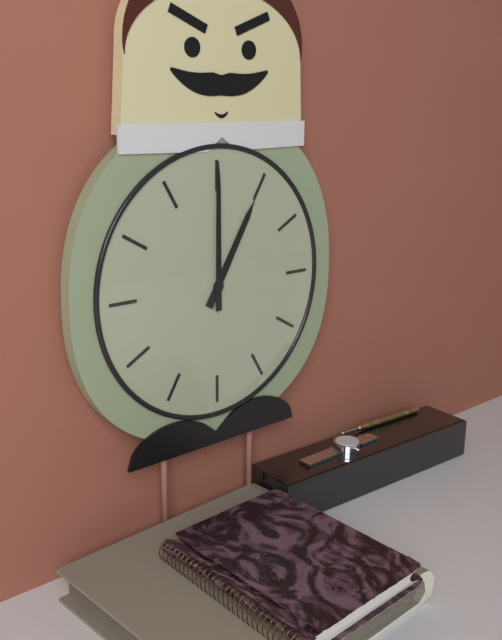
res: 1 h 00 min
